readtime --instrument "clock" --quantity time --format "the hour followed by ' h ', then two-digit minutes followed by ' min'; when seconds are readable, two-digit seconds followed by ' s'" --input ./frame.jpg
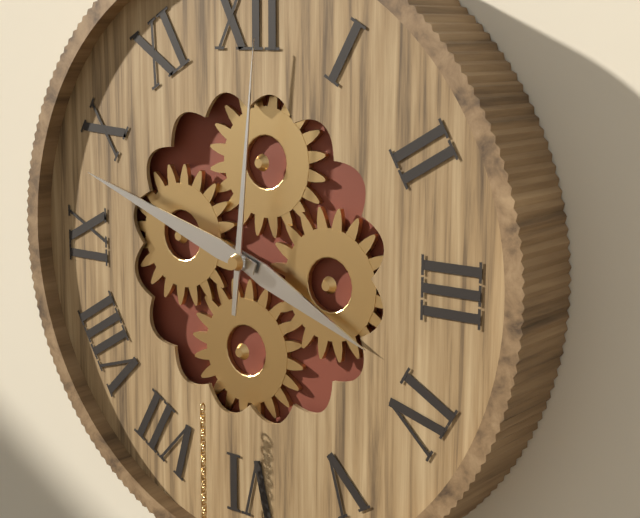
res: 3 h 48 min 01 s
